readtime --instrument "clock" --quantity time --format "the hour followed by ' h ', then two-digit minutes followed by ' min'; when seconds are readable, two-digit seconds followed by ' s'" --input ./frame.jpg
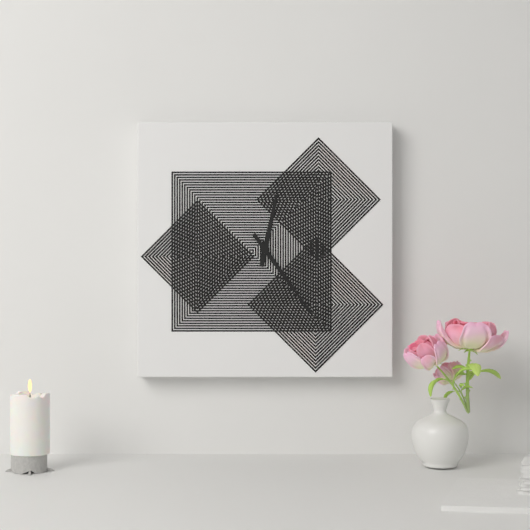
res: 12 h 24 min
